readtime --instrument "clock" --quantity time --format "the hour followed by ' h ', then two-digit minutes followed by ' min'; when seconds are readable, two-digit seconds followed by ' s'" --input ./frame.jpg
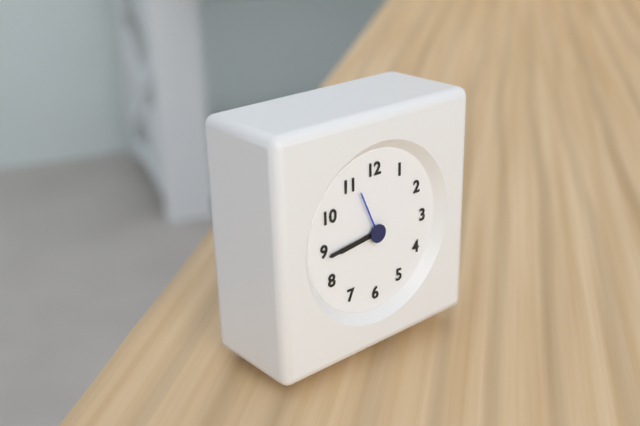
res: 8 h 44 min 56 s
